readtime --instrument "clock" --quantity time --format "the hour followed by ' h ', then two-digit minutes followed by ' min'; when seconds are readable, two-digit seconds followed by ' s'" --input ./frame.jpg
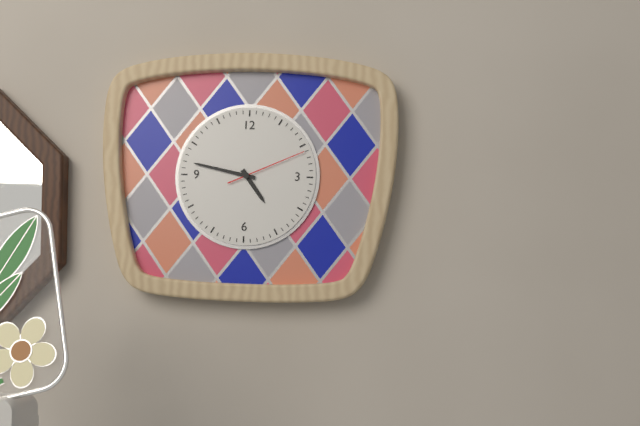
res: 4 h 47 min 11 s
